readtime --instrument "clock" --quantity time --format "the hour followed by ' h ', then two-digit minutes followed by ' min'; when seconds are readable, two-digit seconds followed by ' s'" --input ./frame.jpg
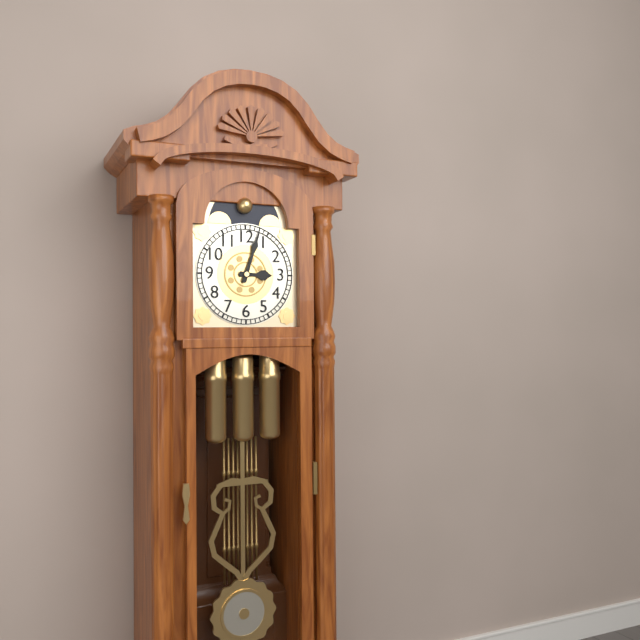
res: 3 h 03 min
